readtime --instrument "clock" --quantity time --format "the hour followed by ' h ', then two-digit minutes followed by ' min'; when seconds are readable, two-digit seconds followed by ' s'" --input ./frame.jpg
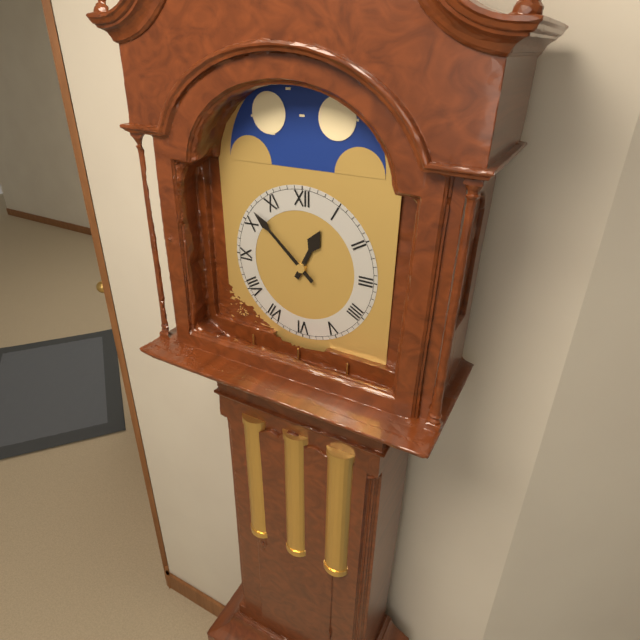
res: 12 h 52 min
